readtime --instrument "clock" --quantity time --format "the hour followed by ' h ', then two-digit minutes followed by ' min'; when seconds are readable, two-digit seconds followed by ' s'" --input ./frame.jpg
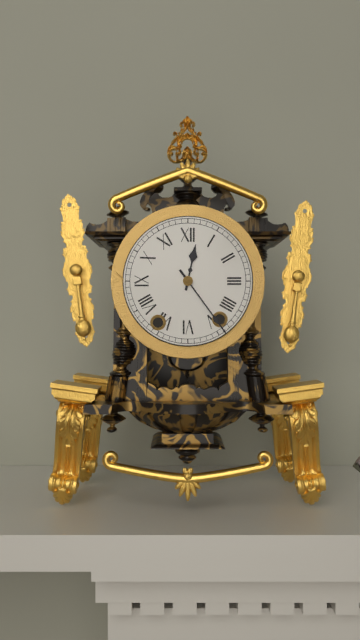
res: 12 h 24 min
